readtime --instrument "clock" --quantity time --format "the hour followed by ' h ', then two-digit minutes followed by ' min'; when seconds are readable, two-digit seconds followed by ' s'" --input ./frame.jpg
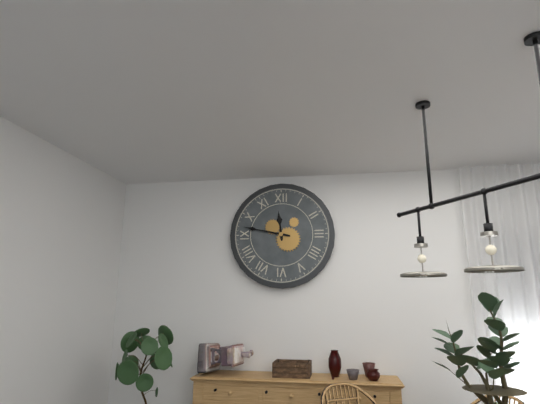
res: 11 h 47 min
